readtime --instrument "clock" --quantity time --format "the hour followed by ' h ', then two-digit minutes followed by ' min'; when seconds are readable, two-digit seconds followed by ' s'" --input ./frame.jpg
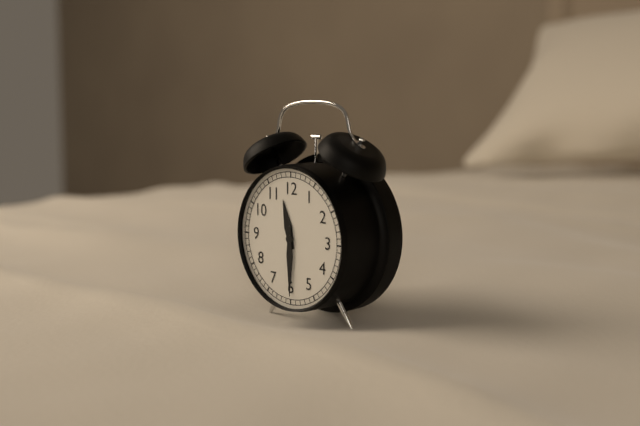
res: 11 h 30 min
